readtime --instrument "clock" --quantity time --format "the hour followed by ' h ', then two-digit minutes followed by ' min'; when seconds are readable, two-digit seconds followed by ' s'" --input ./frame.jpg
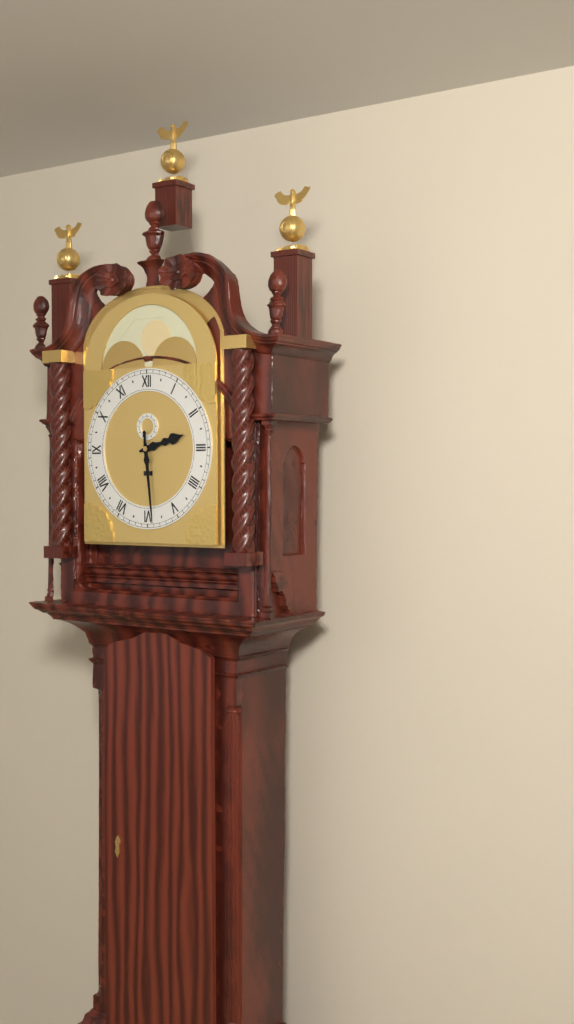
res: 2 h 29 min
